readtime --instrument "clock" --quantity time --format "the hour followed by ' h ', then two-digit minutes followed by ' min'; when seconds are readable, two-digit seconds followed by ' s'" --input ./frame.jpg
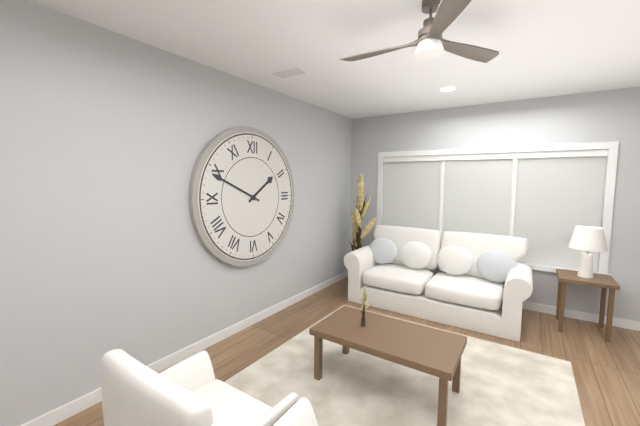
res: 1 h 49 min
